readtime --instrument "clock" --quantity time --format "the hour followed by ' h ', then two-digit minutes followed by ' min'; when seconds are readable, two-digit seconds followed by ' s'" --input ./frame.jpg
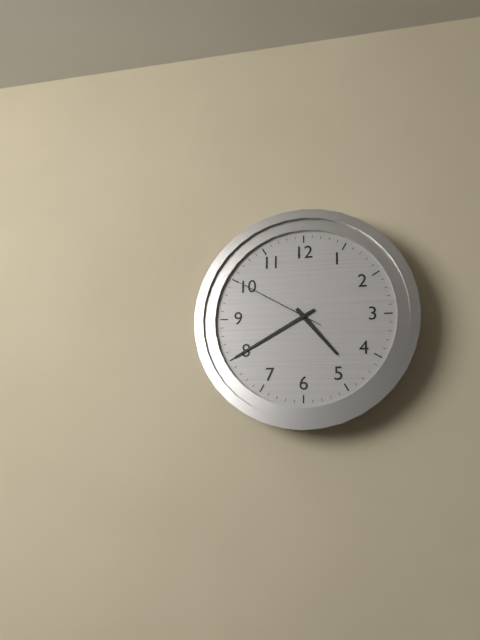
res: 4 h 40 min 50 s
